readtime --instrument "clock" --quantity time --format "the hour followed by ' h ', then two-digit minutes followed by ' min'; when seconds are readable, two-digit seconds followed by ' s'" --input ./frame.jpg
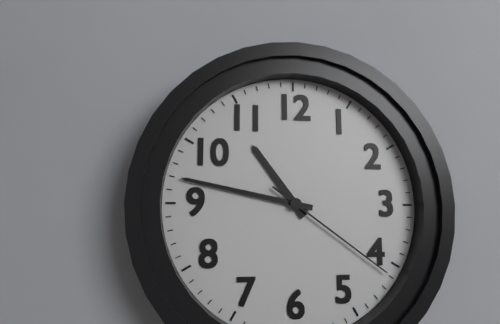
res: 10 h 47 min 21 s
